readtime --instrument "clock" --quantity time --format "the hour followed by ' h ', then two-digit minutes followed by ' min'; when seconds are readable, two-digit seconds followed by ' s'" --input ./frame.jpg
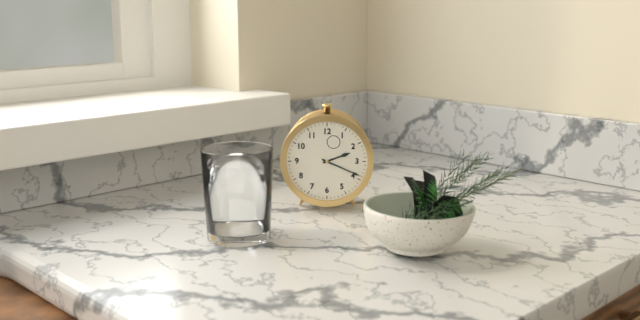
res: 2 h 19 min
